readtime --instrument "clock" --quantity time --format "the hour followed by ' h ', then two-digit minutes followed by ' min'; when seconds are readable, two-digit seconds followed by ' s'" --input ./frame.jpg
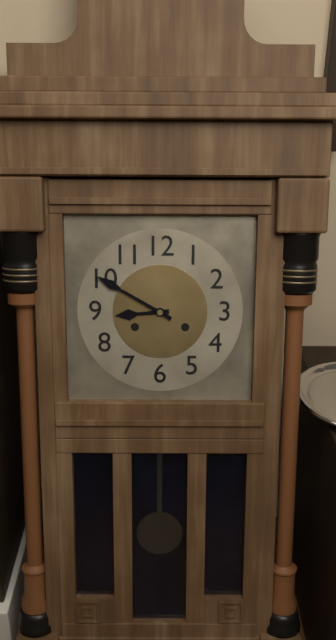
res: 8 h 50 min
